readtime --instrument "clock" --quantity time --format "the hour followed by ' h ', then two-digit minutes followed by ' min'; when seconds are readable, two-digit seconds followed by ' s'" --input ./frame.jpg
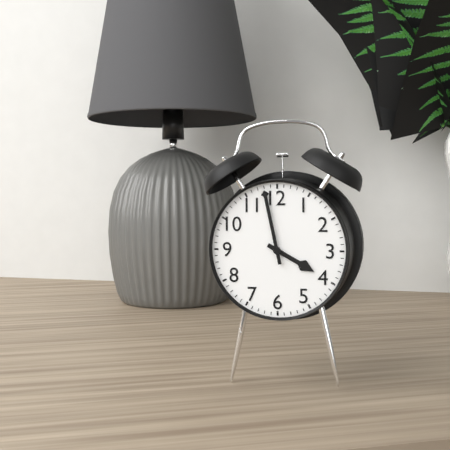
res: 3 h 58 min
